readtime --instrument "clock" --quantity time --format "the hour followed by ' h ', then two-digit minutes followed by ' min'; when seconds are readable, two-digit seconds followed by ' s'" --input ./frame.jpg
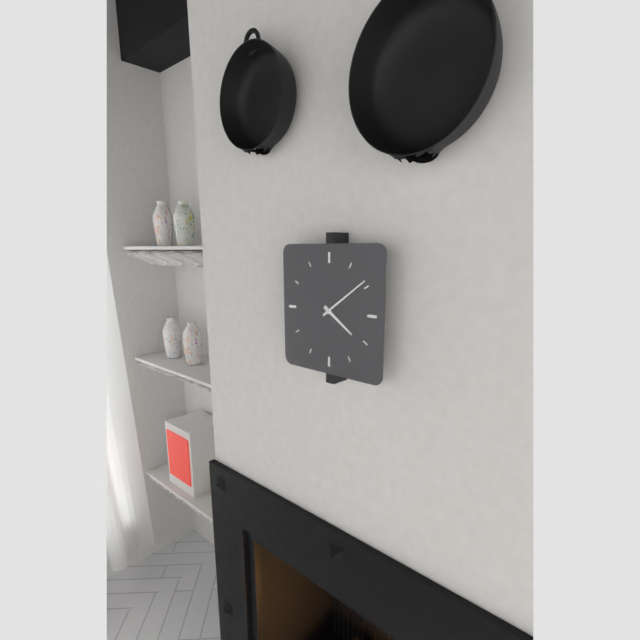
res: 4 h 09 min
